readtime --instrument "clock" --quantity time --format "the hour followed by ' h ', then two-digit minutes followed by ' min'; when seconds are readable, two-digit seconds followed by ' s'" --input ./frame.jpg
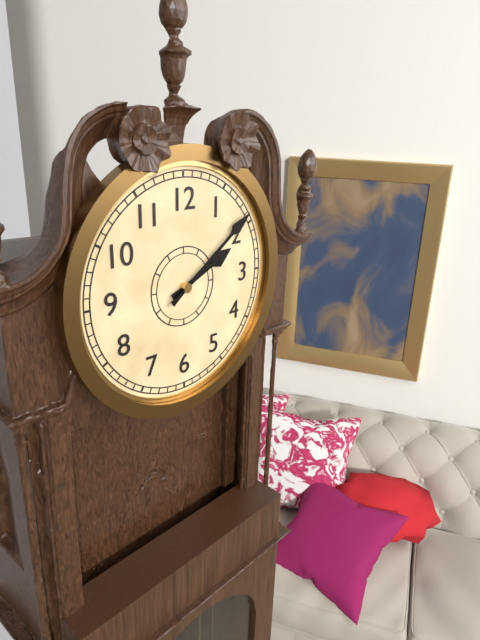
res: 2 h 09 min
